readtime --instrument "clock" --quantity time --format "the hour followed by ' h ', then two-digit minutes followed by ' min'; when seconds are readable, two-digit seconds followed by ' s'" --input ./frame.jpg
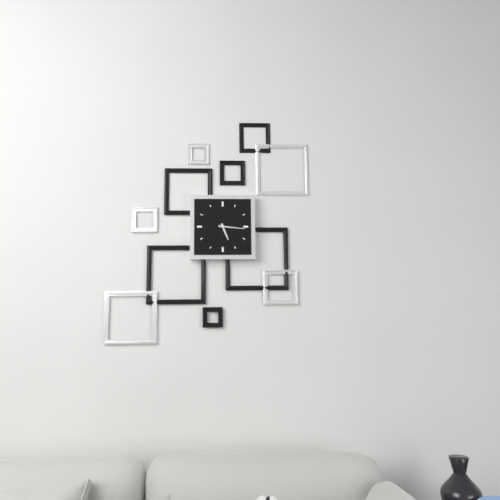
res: 5 h 16 min
